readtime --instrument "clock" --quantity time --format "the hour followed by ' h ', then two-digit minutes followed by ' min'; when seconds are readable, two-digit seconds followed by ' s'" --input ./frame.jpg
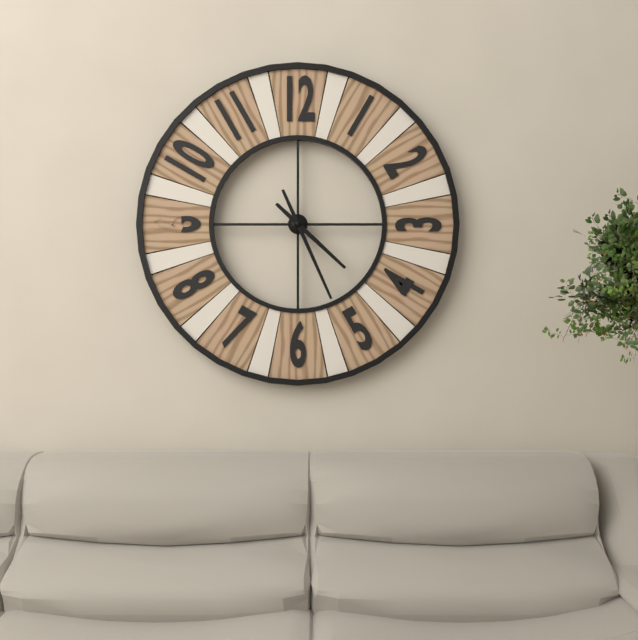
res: 4 h 26 min
